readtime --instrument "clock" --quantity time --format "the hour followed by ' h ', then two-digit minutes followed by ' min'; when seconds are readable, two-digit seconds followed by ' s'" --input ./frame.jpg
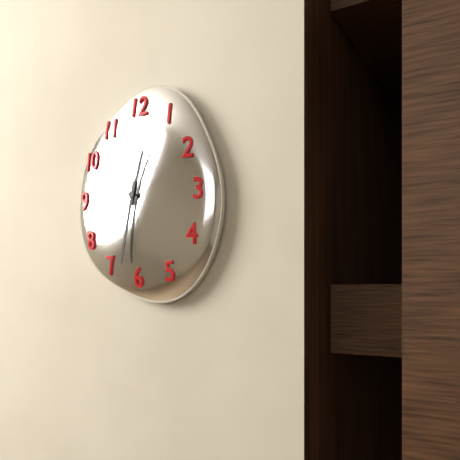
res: 12 h 32 min
